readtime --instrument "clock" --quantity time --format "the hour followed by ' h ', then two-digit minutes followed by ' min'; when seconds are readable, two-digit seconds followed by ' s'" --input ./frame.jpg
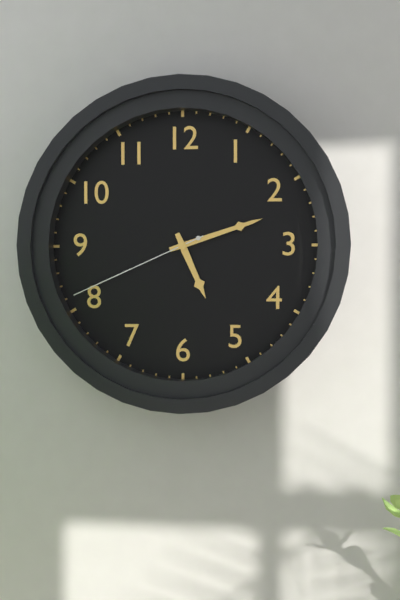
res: 5 h 12 min 41 s
